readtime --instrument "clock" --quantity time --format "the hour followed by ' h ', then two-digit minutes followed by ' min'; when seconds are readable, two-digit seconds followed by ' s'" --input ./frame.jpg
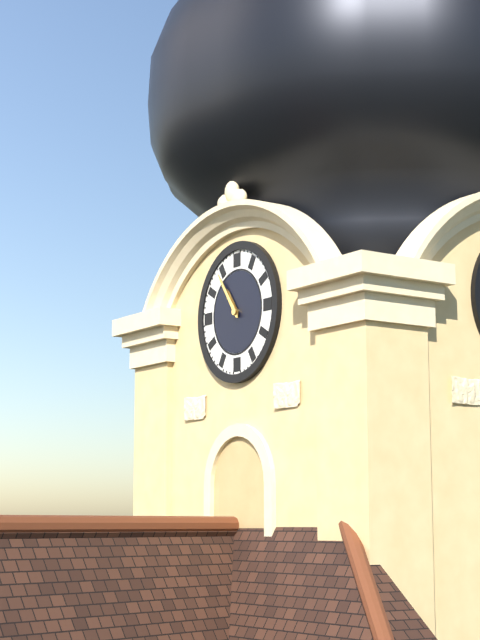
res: 10 h 54 min
